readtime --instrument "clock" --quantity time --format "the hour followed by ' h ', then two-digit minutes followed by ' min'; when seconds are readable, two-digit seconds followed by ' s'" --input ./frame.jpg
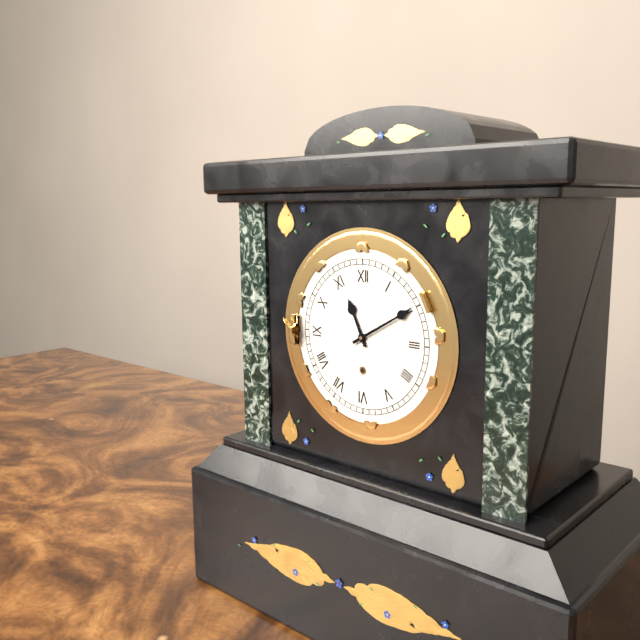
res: 11 h 10 min
